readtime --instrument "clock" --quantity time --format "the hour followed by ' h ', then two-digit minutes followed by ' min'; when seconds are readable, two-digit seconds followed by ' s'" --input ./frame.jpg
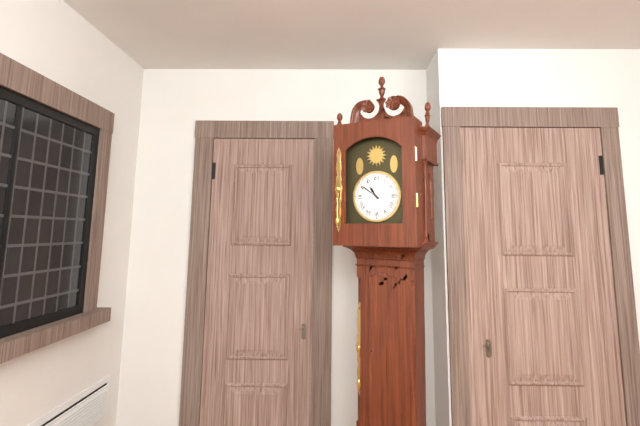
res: 10 h 51 min
